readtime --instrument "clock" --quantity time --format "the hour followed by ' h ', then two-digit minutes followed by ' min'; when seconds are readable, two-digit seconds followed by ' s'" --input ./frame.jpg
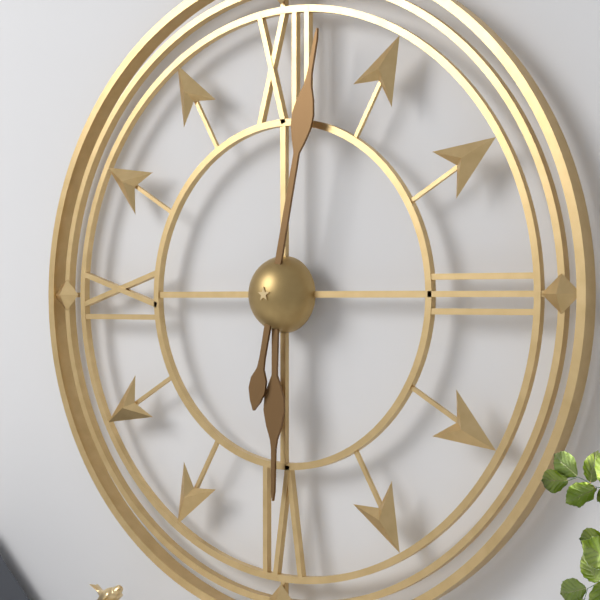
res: 6 h 02 min
